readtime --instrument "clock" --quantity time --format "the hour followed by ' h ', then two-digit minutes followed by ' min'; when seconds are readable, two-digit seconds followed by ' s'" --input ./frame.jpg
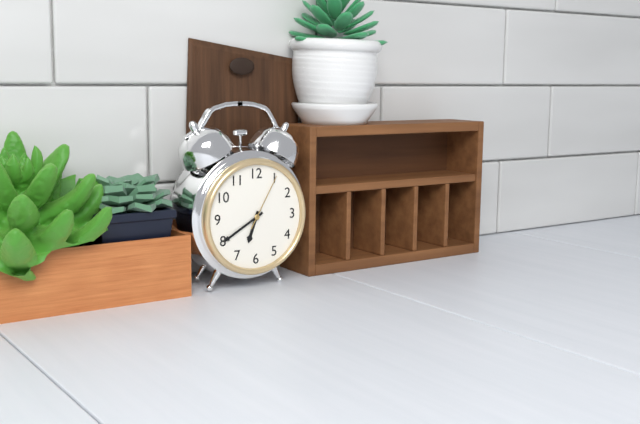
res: 6 h 40 min 05 s
